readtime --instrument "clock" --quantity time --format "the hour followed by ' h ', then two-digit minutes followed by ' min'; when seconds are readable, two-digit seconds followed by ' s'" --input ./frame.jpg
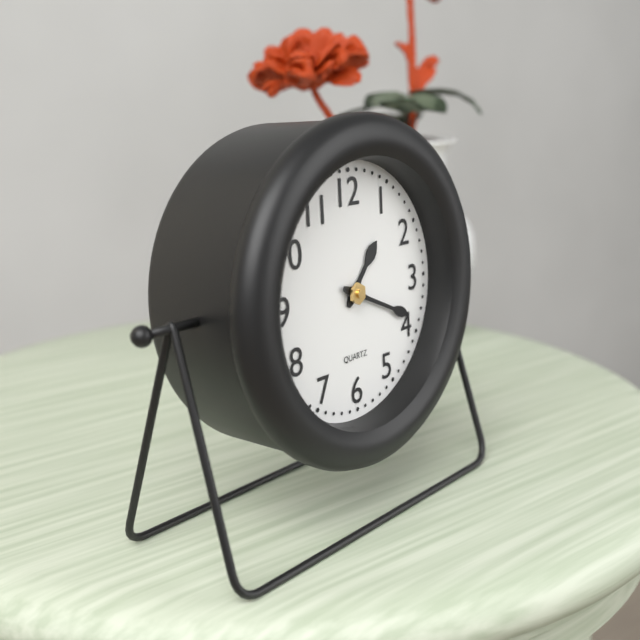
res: 1 h 19 min
